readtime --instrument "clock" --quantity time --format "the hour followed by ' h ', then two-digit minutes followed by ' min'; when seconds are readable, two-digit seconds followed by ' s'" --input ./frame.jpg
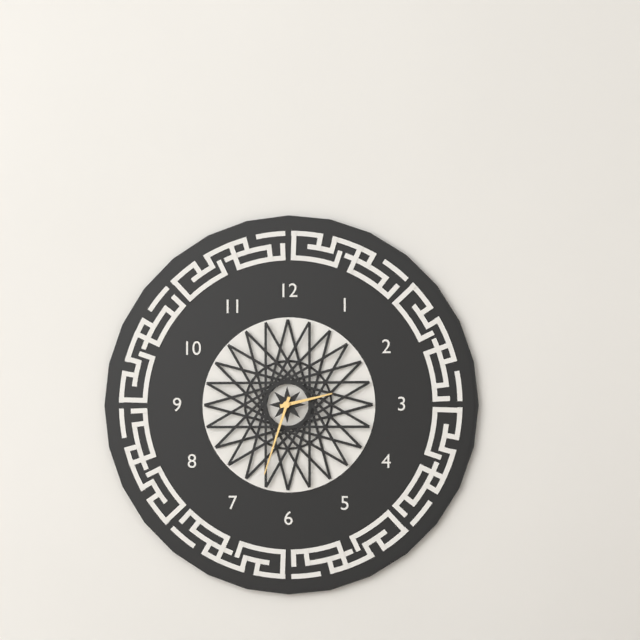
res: 2 h 33 min
